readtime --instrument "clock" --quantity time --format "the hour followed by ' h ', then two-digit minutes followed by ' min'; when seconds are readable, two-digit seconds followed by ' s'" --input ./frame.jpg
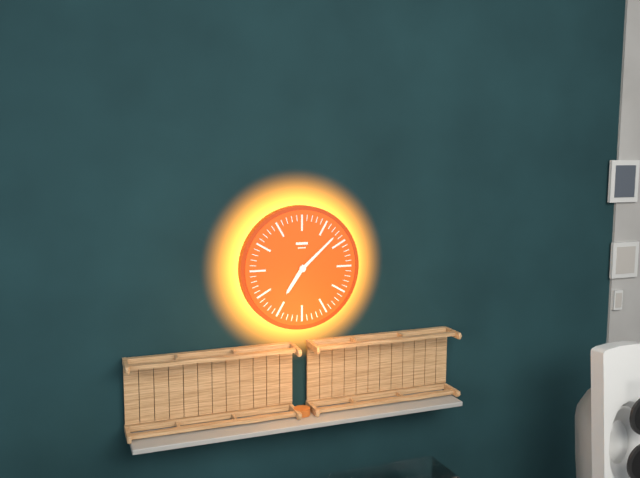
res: 7 h 08 min
